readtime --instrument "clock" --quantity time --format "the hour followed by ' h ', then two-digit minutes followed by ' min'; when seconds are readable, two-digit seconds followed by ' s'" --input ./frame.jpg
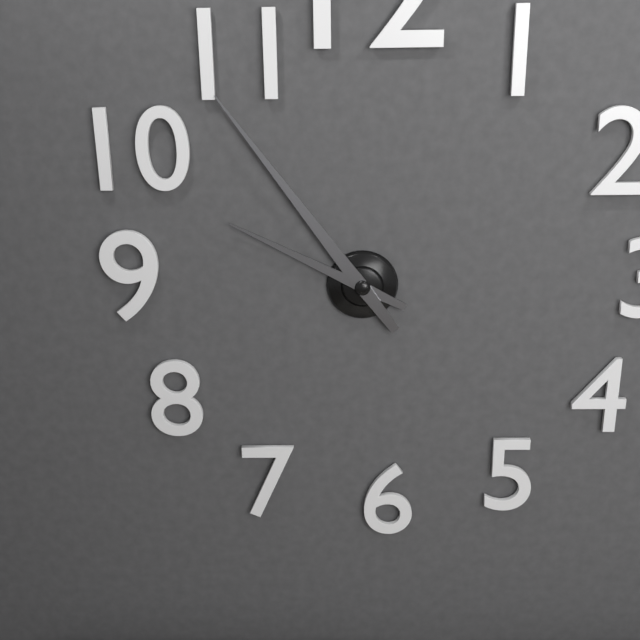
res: 9 h 54 min
